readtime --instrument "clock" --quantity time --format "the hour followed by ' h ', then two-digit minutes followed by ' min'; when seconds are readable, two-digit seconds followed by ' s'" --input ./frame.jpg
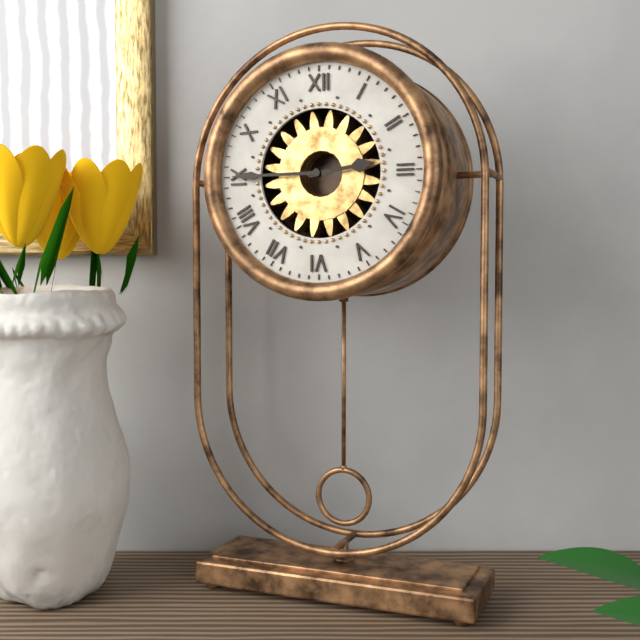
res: 2 h 45 min
